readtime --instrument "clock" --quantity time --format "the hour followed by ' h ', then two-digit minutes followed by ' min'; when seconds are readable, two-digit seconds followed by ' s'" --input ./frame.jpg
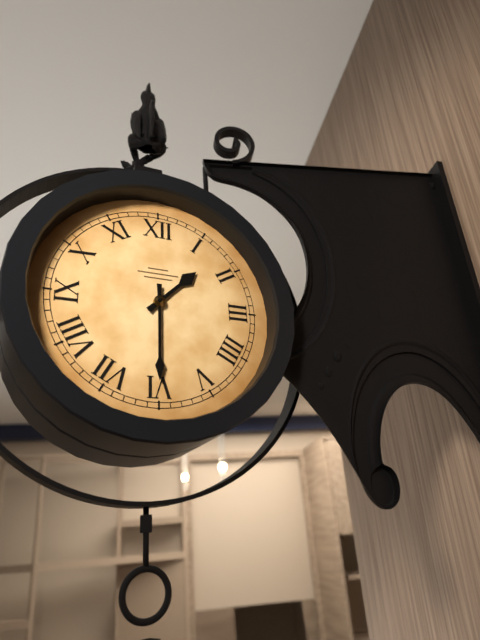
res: 1 h 30 min
